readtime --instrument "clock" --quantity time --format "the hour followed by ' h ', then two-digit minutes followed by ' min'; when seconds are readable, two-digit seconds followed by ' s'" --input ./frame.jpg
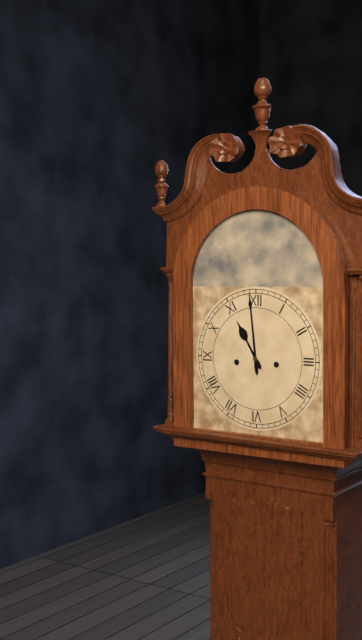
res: 10 h 59 min
